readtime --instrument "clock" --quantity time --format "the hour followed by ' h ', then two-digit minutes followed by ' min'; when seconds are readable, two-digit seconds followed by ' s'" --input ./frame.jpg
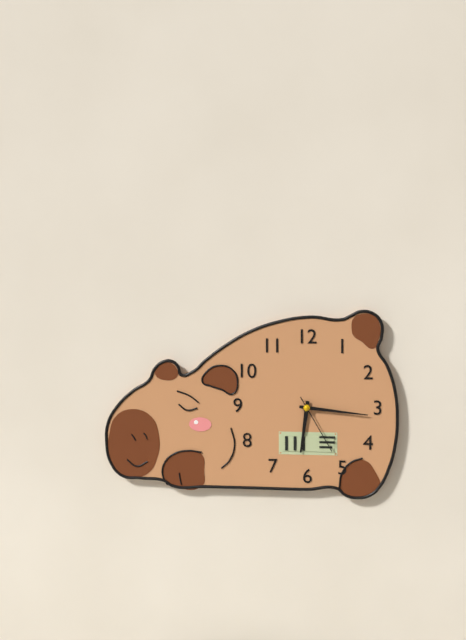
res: 6 h 16 min 25 s
